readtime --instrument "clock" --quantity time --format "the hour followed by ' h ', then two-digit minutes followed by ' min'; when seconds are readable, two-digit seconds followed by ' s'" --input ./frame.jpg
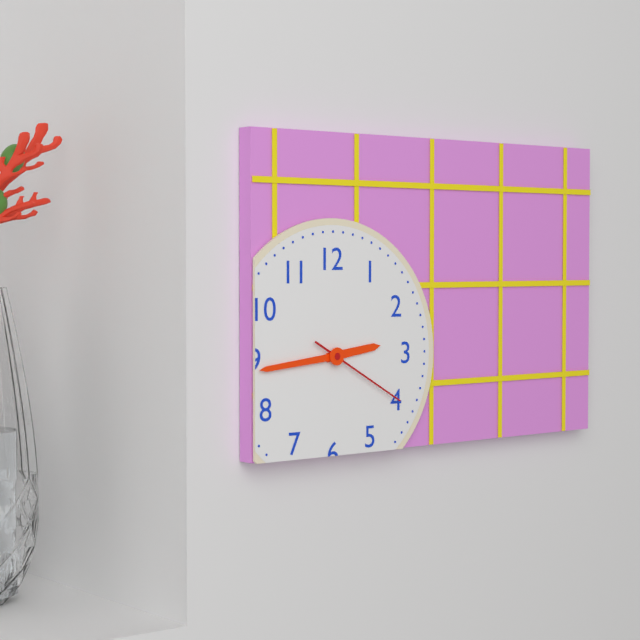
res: 2 h 44 min 20 s
